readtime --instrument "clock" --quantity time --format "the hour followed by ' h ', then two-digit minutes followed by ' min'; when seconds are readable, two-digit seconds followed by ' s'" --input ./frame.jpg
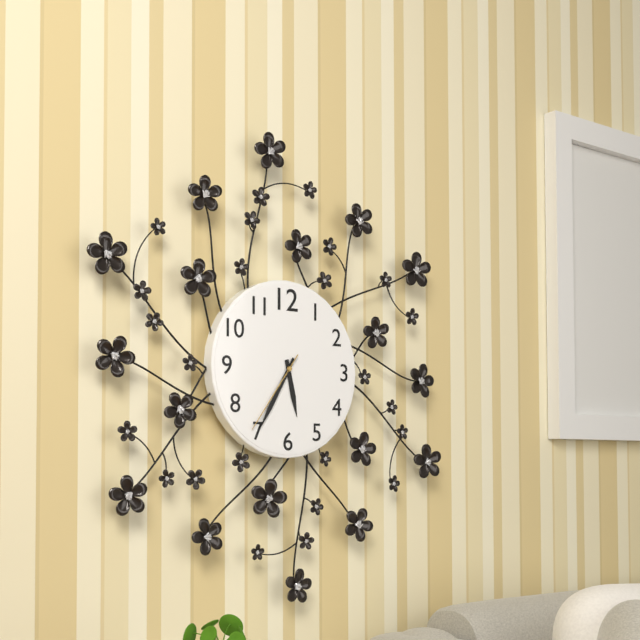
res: 5 h 35 min 36 s
